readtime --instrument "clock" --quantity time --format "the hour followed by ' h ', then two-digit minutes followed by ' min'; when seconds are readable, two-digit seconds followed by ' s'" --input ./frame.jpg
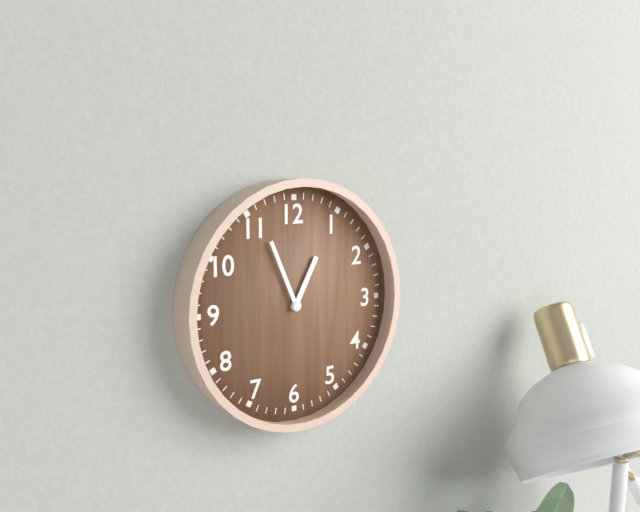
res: 12 h 56 min
